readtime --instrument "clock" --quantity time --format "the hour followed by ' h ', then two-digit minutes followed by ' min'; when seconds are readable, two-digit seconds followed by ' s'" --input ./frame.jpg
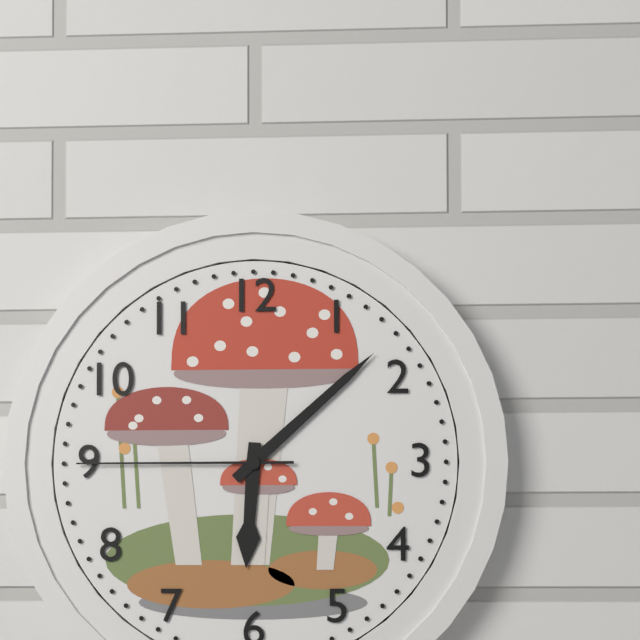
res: 6 h 08 min 45 s
